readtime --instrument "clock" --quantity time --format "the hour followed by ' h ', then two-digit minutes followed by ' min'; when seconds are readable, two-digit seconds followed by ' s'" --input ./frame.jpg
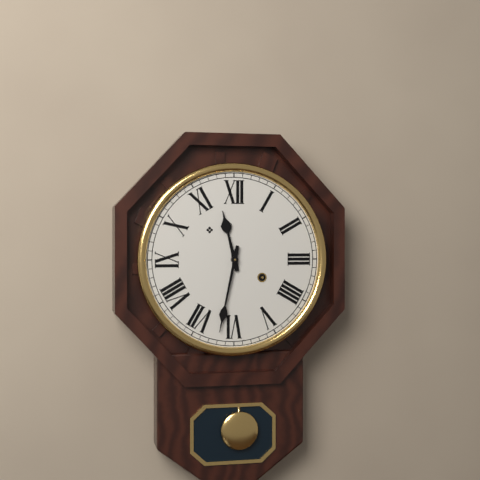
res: 11 h 32 min
